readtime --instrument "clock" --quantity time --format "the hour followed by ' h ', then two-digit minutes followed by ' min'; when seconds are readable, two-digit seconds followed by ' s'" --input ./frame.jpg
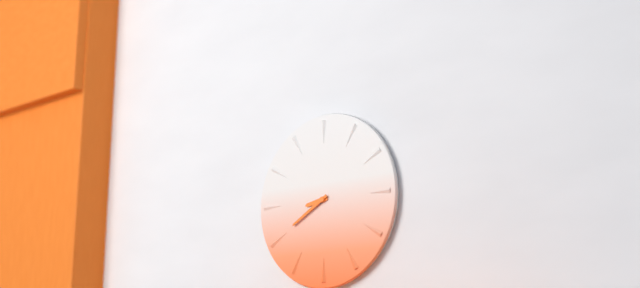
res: 8 h 40 min
